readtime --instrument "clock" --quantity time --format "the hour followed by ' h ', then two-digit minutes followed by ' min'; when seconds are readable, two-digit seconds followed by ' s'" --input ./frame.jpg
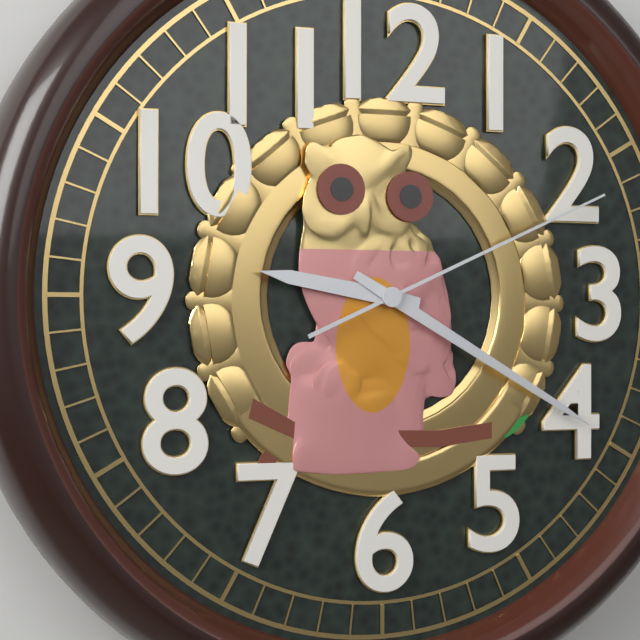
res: 9 h 20 min 11 s
